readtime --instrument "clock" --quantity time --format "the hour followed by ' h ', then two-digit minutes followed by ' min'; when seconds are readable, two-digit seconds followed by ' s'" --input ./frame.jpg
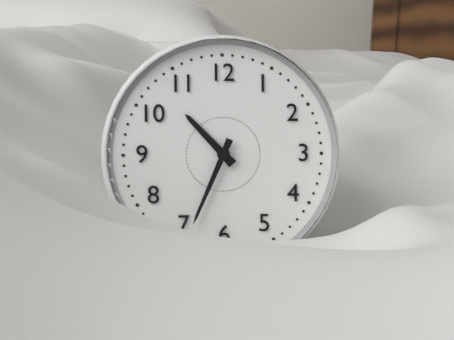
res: 10 h 34 min
